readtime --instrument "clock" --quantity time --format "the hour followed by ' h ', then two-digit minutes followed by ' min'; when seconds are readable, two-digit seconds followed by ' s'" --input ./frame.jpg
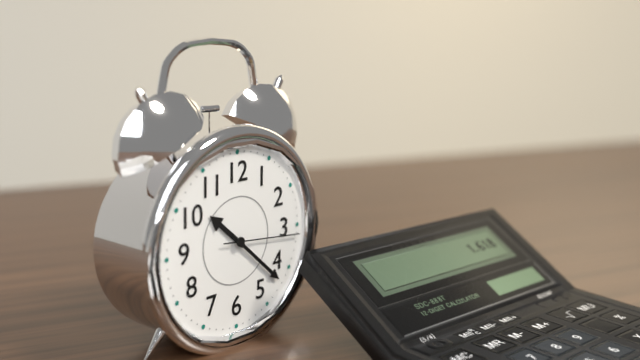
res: 10 h 22 min 16 s
